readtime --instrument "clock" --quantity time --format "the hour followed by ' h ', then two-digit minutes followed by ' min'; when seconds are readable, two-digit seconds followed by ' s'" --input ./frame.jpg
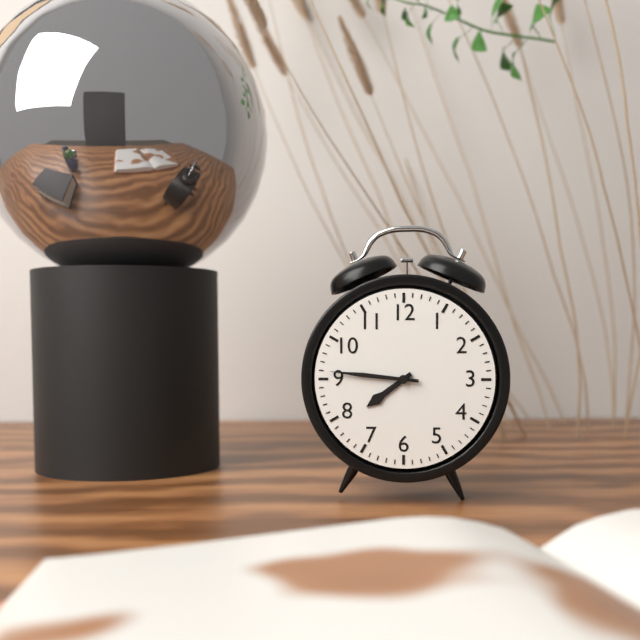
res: 7 h 46 min
